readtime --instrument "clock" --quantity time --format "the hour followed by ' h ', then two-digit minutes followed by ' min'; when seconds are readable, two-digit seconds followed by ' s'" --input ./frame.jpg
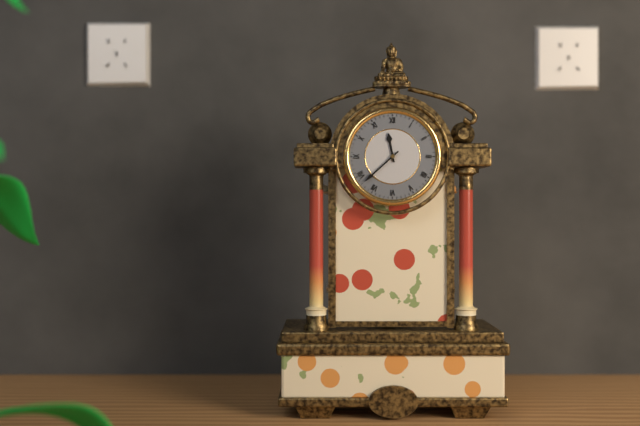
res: 11 h 38 min
